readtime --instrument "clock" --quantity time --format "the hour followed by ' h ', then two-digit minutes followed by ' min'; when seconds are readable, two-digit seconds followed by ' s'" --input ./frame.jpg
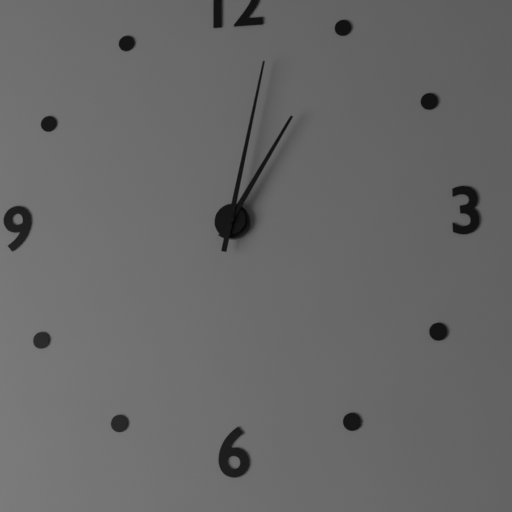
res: 1 h 02 min
